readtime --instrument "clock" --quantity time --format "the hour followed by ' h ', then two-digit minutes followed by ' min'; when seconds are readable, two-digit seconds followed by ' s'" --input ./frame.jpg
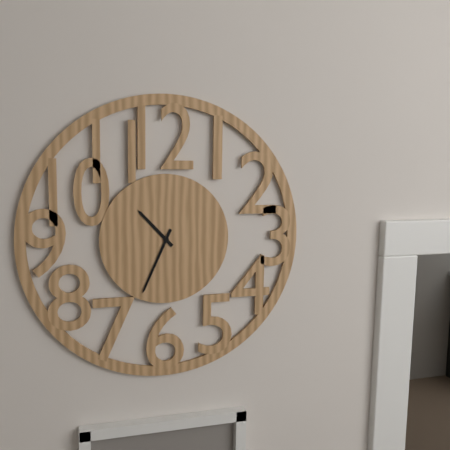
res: 10 h 34 min
